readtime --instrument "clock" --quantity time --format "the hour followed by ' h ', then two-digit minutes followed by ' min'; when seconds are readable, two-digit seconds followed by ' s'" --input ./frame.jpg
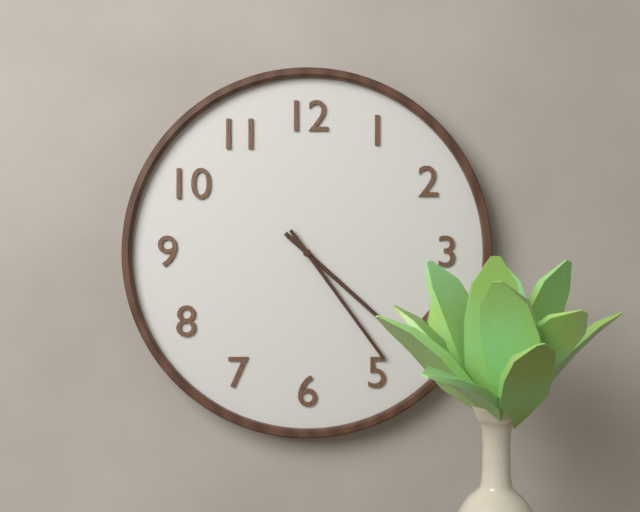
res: 4 h 24 min
